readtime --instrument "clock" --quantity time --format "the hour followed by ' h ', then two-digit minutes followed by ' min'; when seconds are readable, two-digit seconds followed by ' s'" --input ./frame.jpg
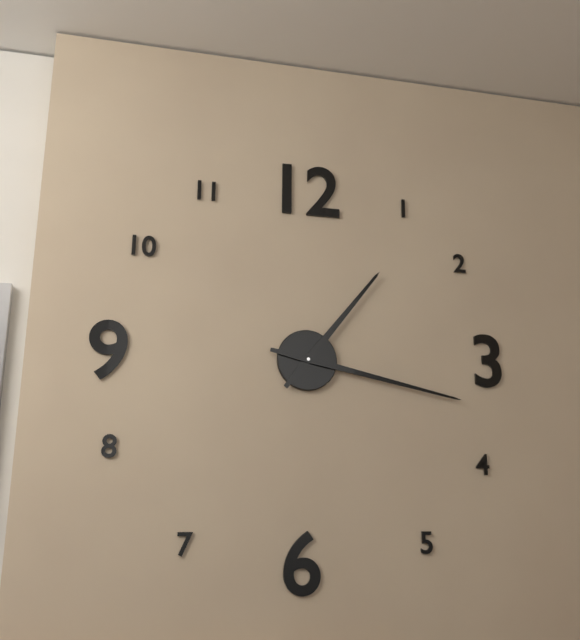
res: 1 h 17 min
